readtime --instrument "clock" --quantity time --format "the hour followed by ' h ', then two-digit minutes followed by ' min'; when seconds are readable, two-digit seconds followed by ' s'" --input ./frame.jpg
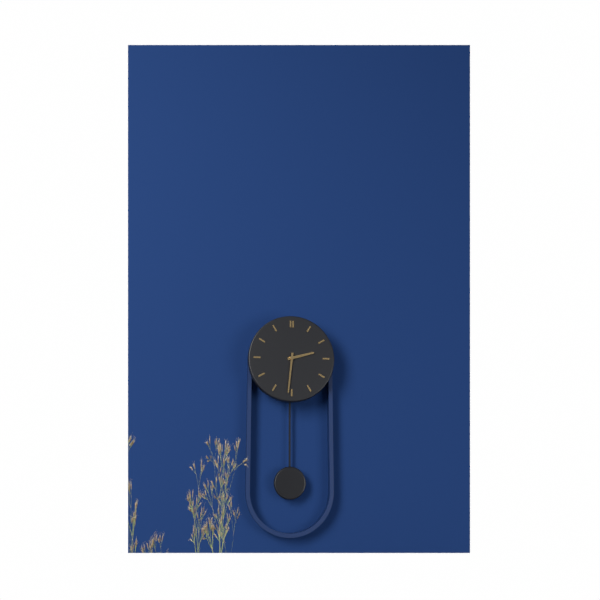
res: 2 h 31 min
